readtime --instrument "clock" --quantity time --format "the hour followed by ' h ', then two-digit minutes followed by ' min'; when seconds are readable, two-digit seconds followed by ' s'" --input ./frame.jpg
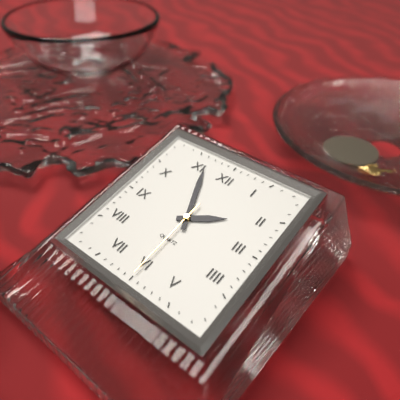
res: 1 h 56 min 30 s
